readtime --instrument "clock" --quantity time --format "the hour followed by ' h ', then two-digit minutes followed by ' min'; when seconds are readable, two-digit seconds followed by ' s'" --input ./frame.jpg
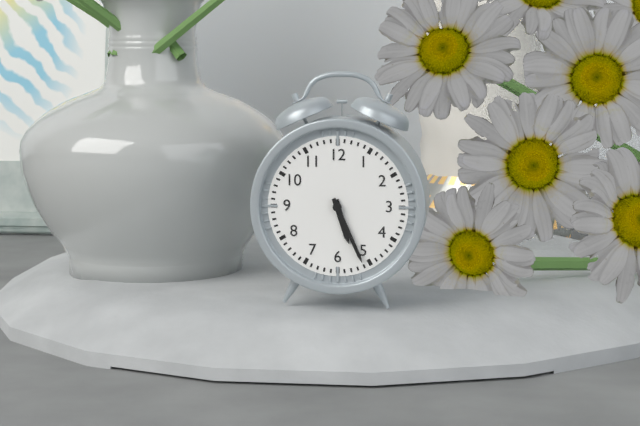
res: 5 h 26 min
